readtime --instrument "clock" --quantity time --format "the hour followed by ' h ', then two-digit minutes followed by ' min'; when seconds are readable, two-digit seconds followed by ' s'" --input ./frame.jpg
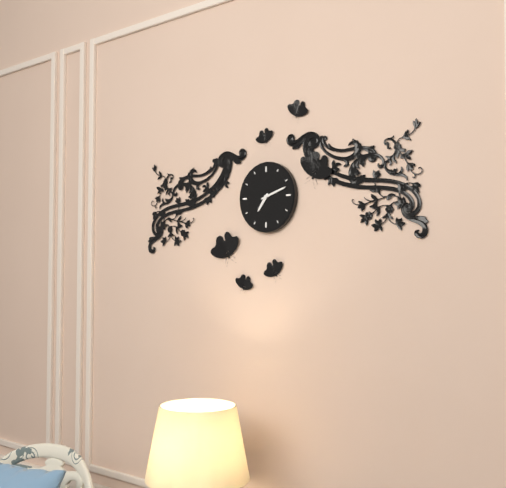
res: 7 h 12 min
